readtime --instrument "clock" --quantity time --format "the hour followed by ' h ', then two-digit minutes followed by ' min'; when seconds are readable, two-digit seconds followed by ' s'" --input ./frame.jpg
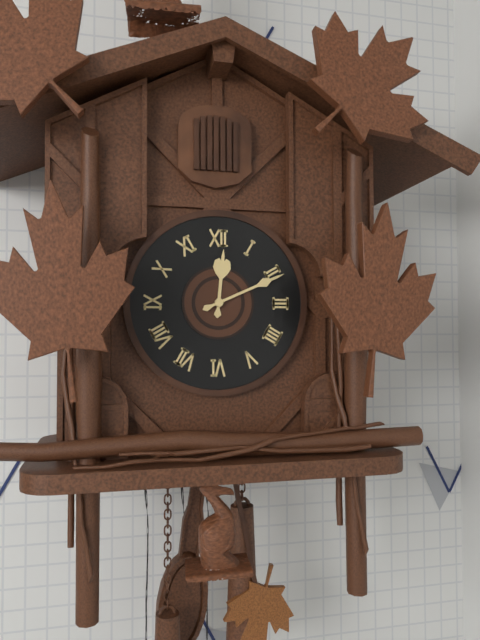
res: 12 h 11 min
